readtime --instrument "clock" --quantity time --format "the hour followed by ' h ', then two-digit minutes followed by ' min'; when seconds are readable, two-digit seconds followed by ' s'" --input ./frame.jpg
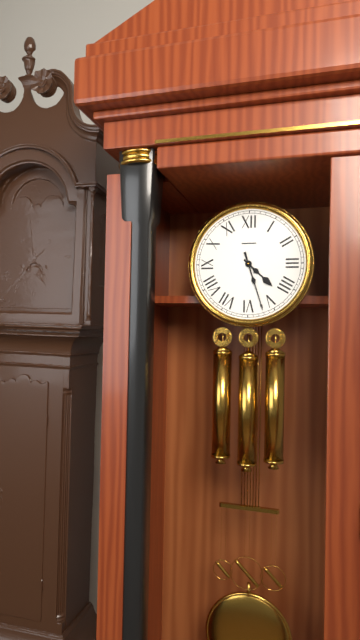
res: 4 h 27 min
